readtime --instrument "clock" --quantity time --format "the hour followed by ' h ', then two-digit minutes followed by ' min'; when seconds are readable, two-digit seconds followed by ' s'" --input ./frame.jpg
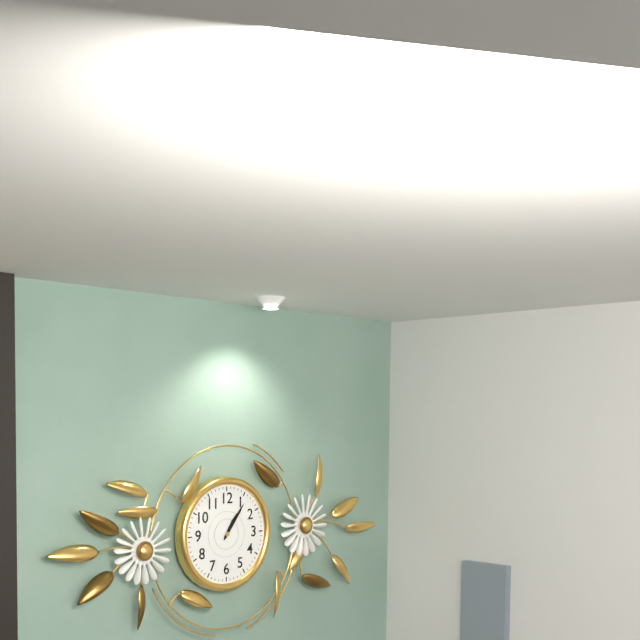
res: 1 h 06 min
